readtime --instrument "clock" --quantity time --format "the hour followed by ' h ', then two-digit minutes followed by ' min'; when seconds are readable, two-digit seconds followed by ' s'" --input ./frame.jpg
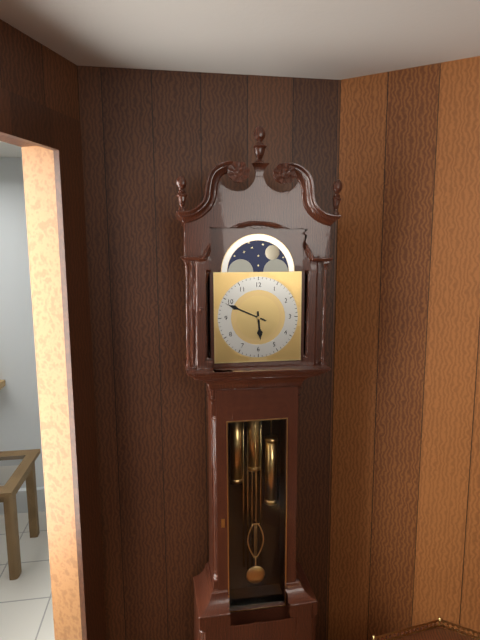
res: 5 h 49 min
